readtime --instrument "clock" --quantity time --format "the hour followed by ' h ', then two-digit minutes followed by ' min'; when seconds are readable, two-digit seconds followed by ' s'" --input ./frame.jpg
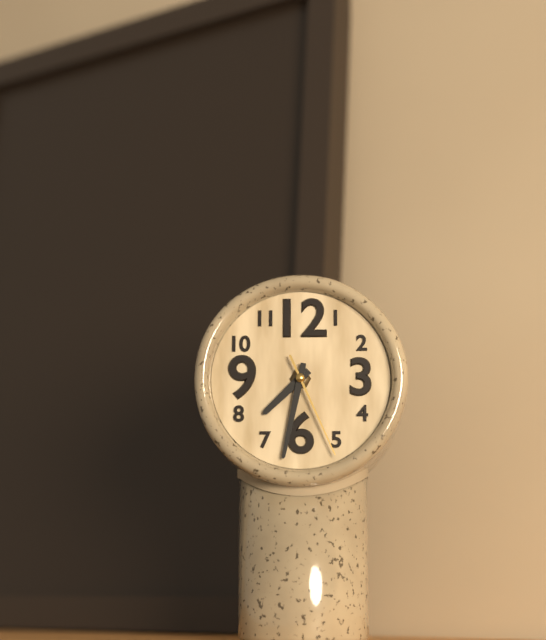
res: 7 h 32 min 26 s
